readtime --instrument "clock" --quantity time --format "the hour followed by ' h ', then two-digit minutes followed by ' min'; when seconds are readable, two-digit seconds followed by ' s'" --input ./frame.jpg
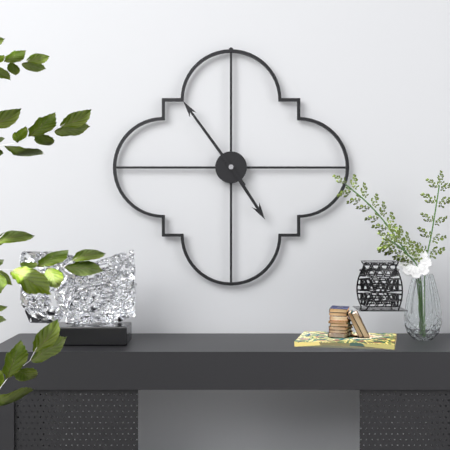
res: 4 h 54 min
